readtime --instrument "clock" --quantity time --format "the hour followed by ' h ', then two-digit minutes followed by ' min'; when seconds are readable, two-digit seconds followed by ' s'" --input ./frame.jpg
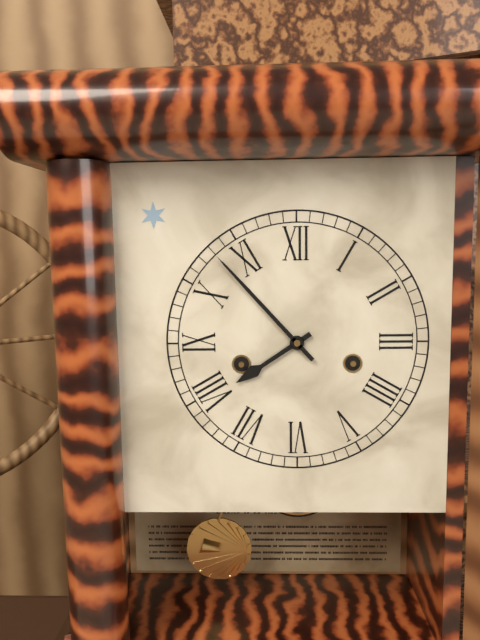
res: 7 h 53 min
